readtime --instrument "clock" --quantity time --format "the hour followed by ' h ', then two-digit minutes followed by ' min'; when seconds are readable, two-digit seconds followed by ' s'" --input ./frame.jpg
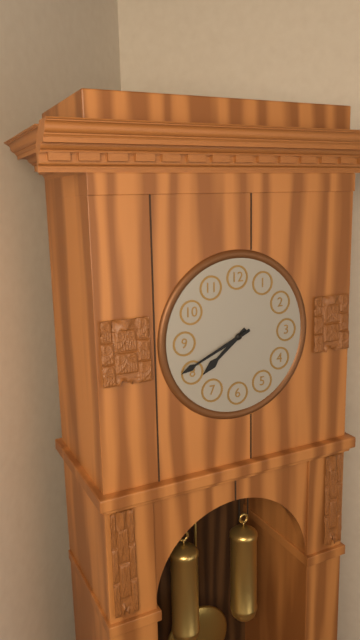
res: 7 h 41 min
